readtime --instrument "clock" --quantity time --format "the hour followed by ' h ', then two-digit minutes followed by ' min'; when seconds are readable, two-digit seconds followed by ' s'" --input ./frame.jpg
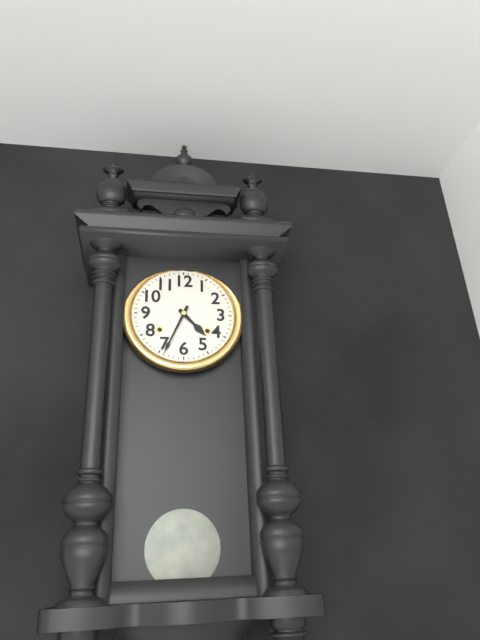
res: 4 h 34 min
